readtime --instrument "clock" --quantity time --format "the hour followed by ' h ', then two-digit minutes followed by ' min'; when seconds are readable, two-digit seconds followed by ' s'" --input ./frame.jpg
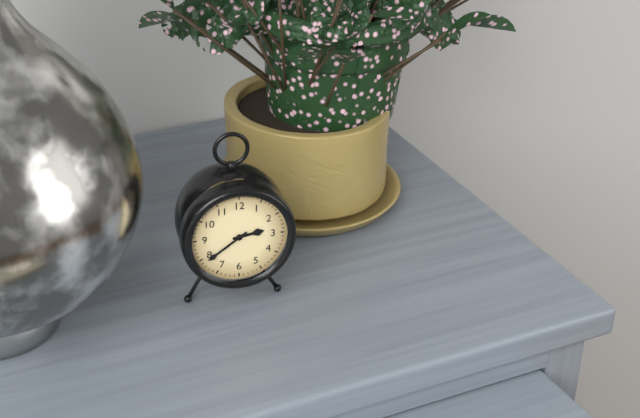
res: 2 h 39 min
